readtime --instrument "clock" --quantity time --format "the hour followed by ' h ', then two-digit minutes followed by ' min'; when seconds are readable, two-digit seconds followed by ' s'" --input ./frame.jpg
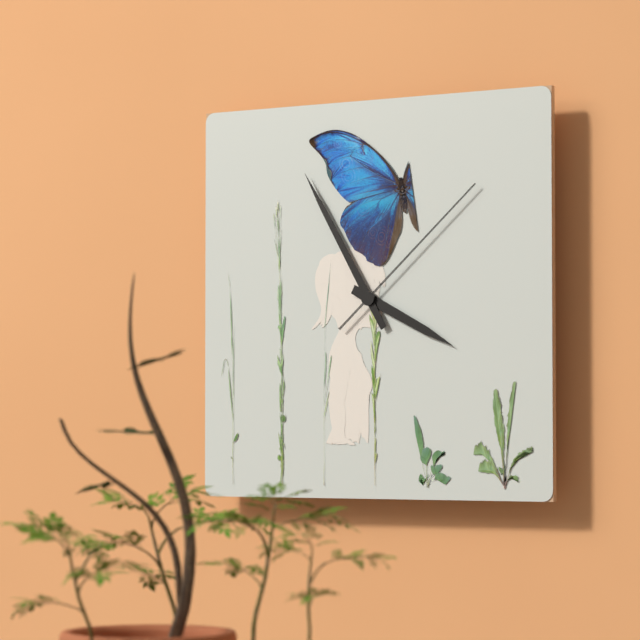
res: 3 h 55 min 08 s
